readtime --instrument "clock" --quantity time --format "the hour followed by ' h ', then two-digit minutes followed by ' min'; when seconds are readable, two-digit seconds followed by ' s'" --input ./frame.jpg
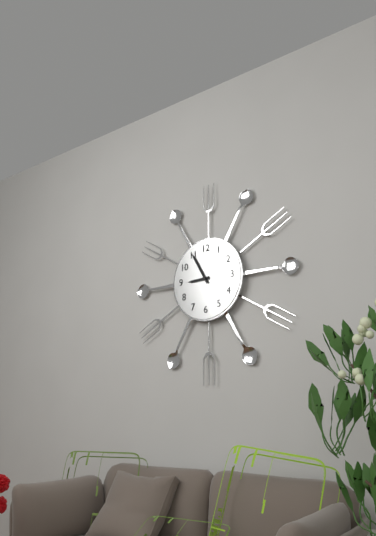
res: 8 h 55 min
